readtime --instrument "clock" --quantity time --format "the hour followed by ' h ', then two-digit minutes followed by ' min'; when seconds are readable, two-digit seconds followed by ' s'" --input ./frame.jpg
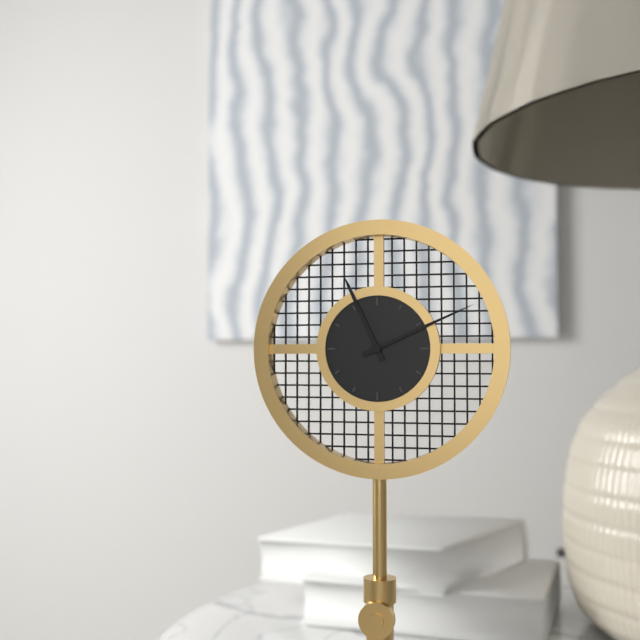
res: 11 h 11 min
